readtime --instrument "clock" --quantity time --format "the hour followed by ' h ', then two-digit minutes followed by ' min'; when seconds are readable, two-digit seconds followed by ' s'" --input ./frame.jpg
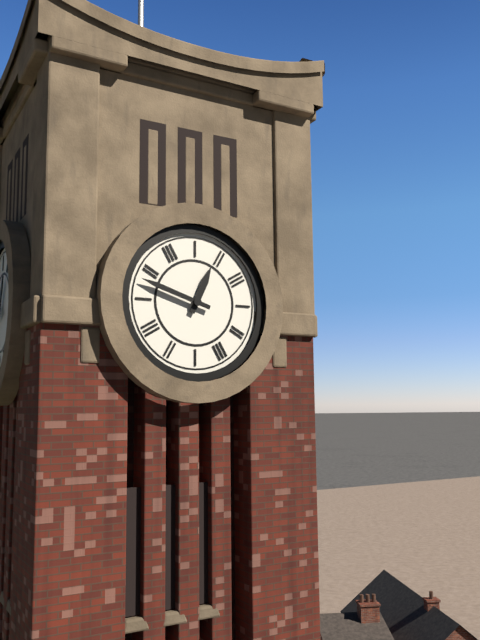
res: 12 h 48 min
